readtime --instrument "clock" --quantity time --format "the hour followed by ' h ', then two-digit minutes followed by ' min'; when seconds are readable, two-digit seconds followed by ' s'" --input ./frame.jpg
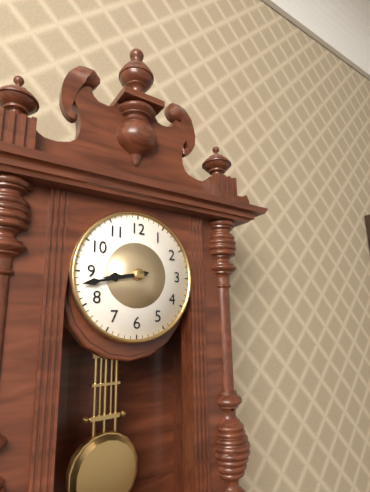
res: 8 h 43 min
